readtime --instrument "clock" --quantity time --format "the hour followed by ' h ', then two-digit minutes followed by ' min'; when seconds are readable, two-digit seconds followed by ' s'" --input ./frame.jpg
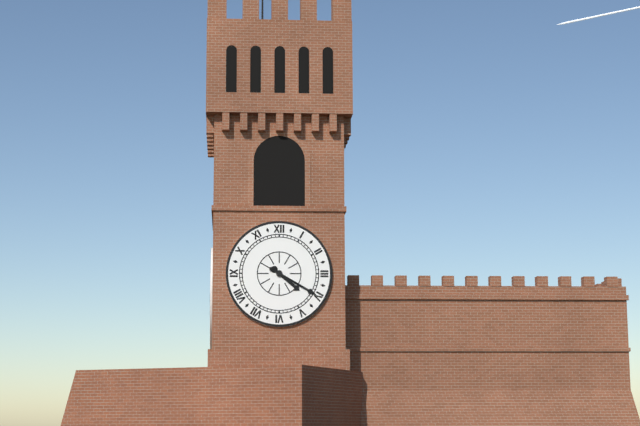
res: 4 h 20 min
